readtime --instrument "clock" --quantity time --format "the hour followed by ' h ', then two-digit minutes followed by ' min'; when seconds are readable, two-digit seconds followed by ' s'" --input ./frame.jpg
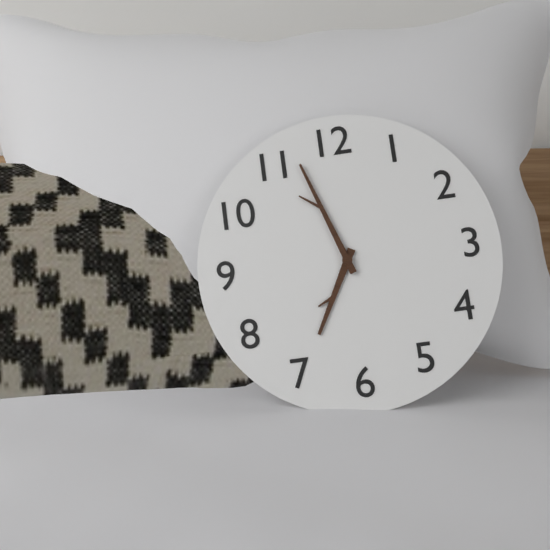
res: 6 h 57 min
